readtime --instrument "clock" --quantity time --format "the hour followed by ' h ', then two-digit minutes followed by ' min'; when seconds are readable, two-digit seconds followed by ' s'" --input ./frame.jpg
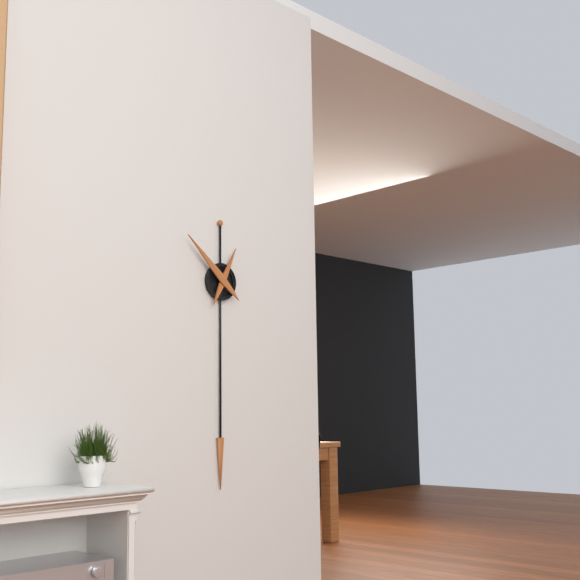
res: 12 h 52 min
